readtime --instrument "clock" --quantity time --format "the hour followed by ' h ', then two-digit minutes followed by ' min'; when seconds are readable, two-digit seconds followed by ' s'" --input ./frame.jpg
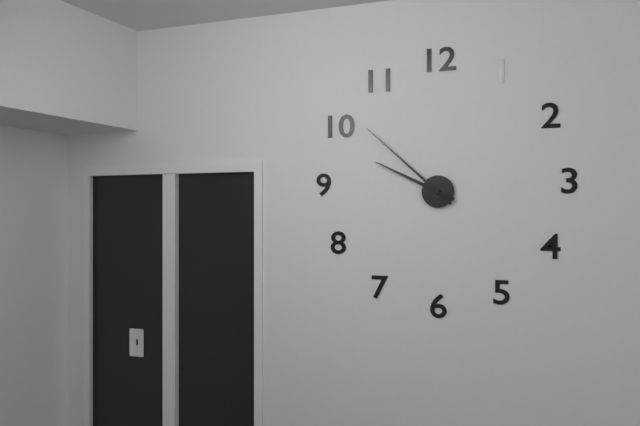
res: 9 h 52 min
